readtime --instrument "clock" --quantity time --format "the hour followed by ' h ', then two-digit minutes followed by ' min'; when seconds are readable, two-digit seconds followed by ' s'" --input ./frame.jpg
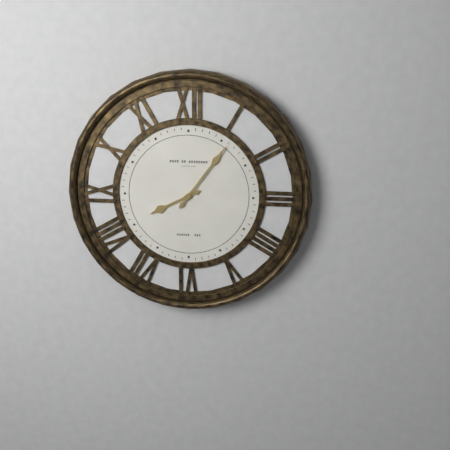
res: 8 h 06 min
